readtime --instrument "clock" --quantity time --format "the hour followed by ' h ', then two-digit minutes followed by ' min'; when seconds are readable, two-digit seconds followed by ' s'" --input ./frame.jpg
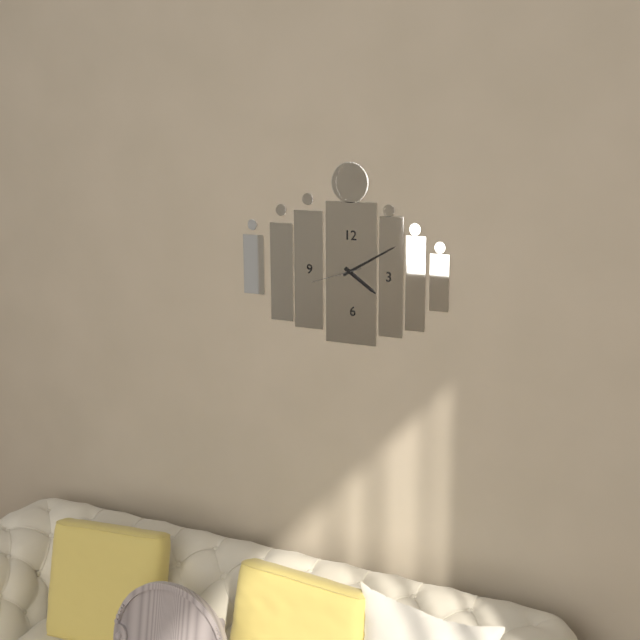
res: 4 h 10 min
